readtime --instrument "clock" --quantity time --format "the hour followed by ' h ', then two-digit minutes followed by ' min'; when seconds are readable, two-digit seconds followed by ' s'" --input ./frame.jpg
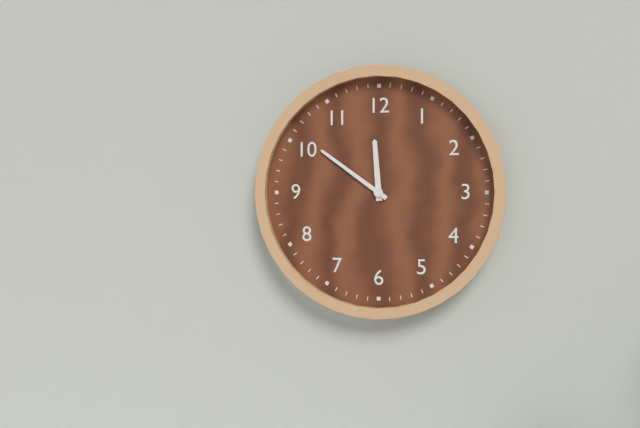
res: 11 h 51 min
